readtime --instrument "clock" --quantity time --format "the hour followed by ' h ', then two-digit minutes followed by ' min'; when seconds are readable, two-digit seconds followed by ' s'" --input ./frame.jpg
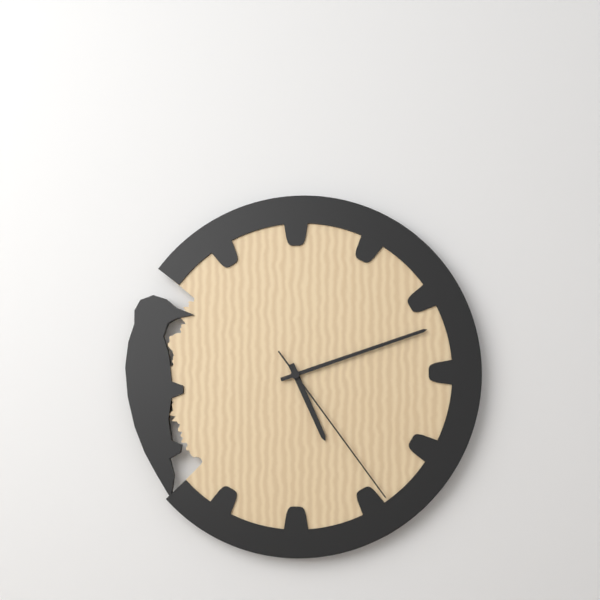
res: 5 h 12 min 24 s
